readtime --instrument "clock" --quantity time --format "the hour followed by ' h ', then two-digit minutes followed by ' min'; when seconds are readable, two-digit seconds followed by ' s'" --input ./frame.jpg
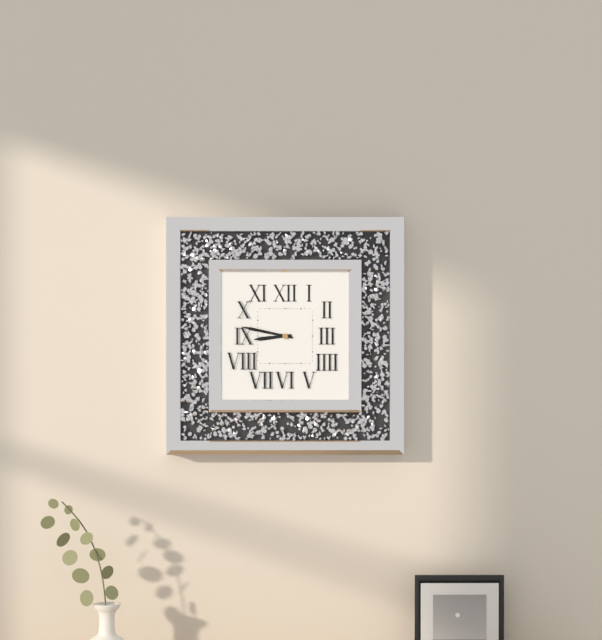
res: 8 h 47 min
